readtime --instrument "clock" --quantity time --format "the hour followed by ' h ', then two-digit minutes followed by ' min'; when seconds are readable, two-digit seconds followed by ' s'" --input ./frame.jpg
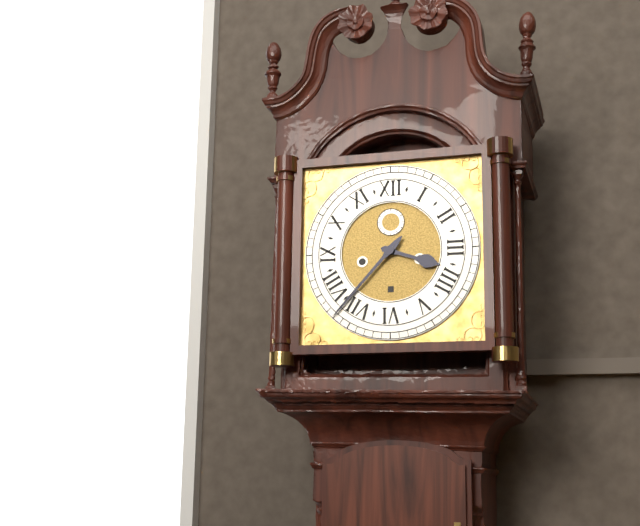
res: 3 h 37 min
